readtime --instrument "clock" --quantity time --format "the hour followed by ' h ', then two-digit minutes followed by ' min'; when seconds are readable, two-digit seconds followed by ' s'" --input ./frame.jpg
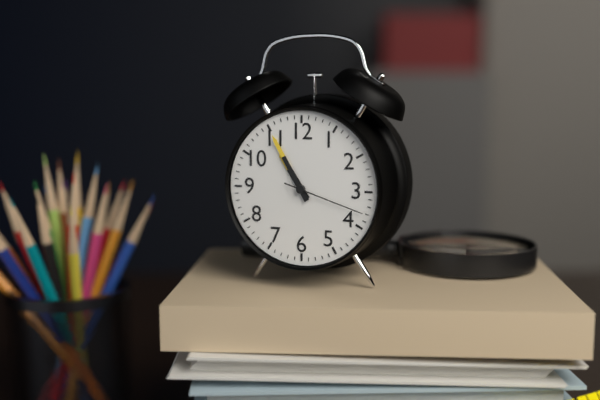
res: 10 h 55 min 18 s
